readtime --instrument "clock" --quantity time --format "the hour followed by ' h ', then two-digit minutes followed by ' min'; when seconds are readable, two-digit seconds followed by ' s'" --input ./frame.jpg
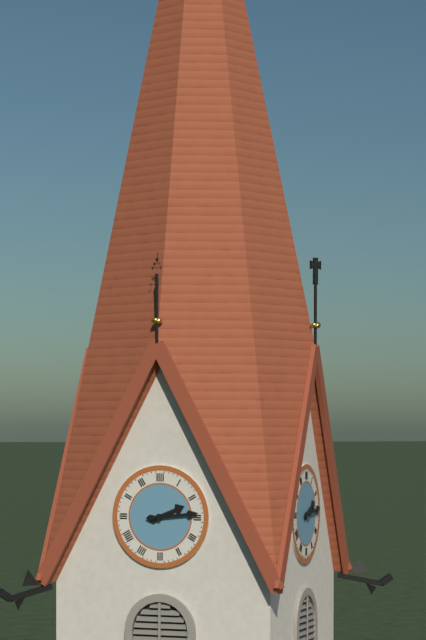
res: 2 h 14 min
